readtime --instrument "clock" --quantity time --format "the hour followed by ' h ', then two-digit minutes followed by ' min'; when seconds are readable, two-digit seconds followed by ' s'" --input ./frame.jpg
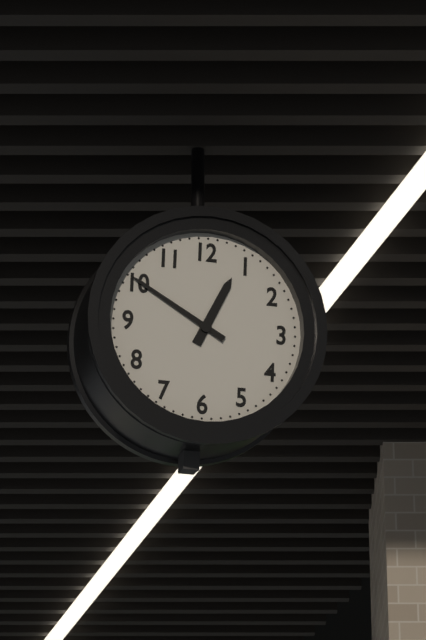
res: 12 h 50 min
